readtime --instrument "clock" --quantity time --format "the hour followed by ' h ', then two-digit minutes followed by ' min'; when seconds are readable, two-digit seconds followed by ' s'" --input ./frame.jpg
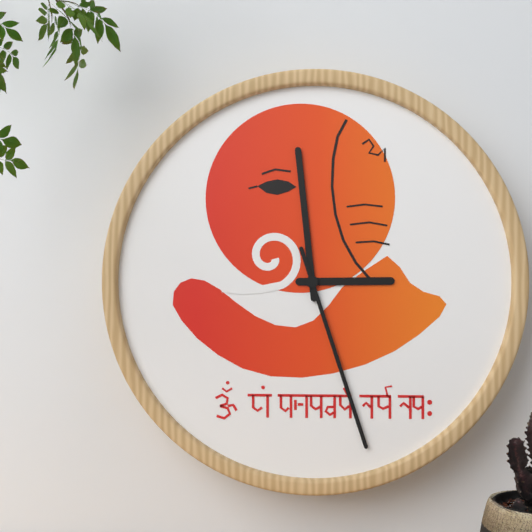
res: 2 h 59 min 27 s
